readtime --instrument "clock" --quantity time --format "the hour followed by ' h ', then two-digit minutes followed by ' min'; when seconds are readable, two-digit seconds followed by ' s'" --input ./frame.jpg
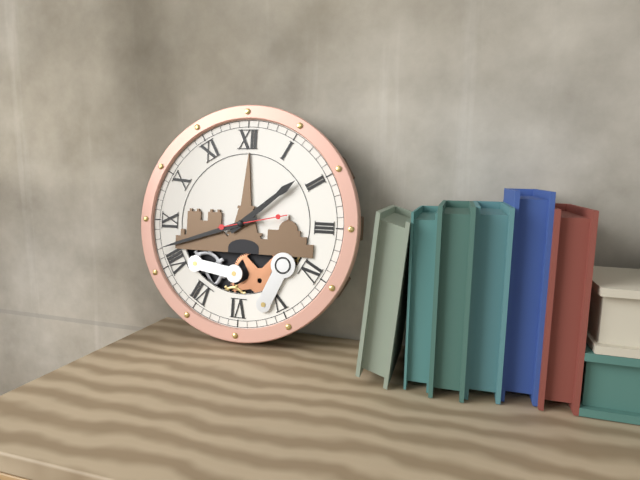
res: 1 h 42 min 13 s
